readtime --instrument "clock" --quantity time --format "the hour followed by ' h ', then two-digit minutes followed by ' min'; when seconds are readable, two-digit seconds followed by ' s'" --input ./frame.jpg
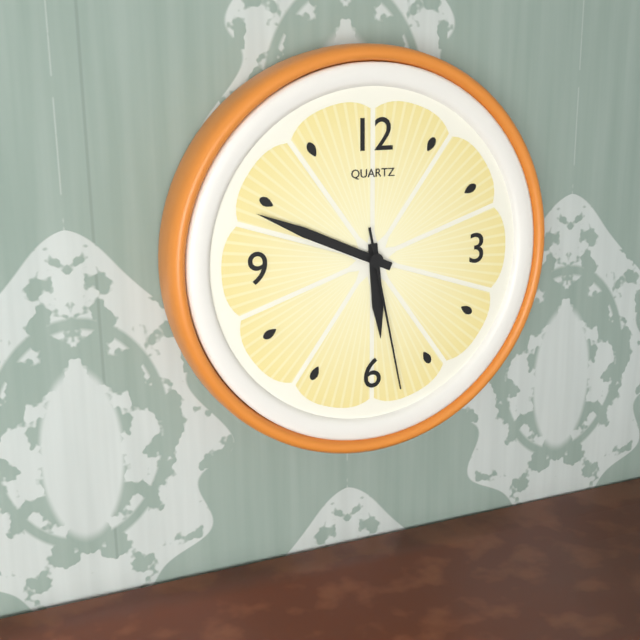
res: 5 h 49 min 28 s
